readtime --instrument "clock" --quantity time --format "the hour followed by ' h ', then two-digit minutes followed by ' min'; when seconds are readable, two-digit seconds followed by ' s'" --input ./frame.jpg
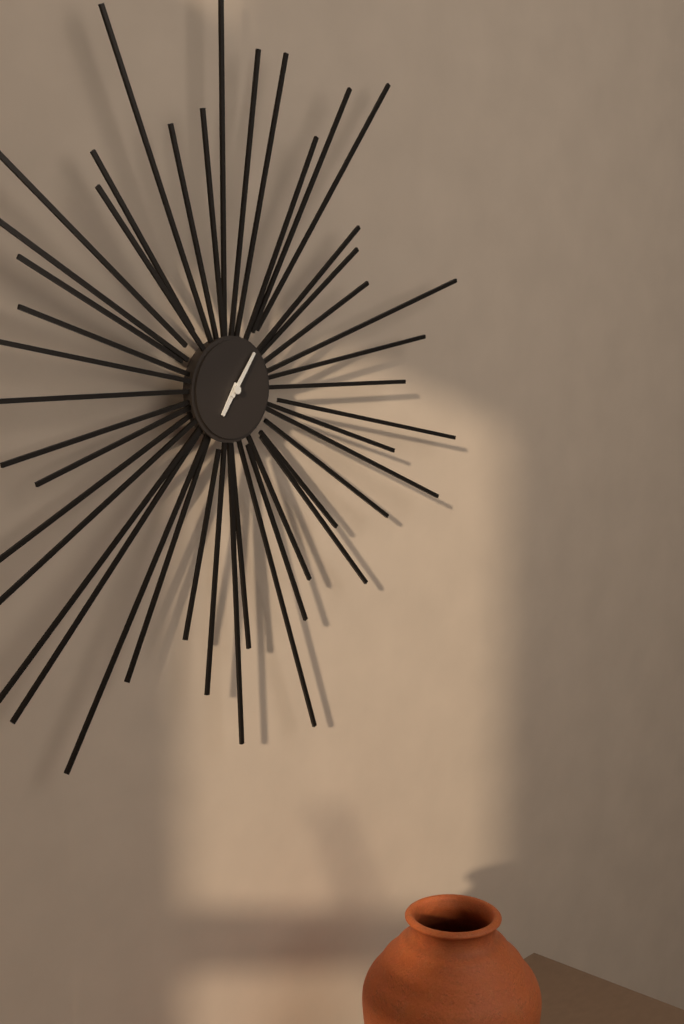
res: 7 h 06 min
